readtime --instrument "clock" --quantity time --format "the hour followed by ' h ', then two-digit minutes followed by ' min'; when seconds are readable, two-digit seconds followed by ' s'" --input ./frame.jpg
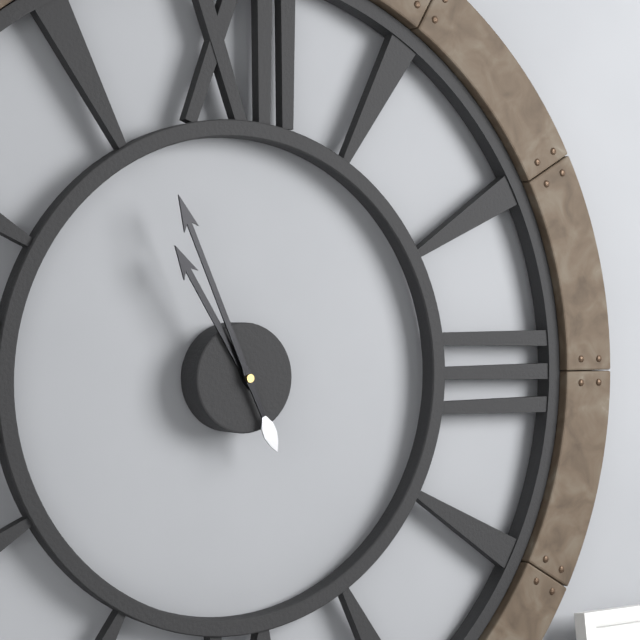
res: 10 h 56 min
